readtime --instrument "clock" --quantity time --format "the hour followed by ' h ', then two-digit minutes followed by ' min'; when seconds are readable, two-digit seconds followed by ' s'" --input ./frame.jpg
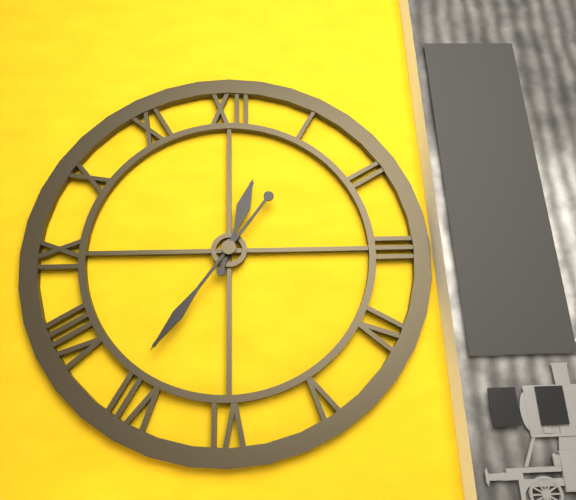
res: 12 h 36 min
